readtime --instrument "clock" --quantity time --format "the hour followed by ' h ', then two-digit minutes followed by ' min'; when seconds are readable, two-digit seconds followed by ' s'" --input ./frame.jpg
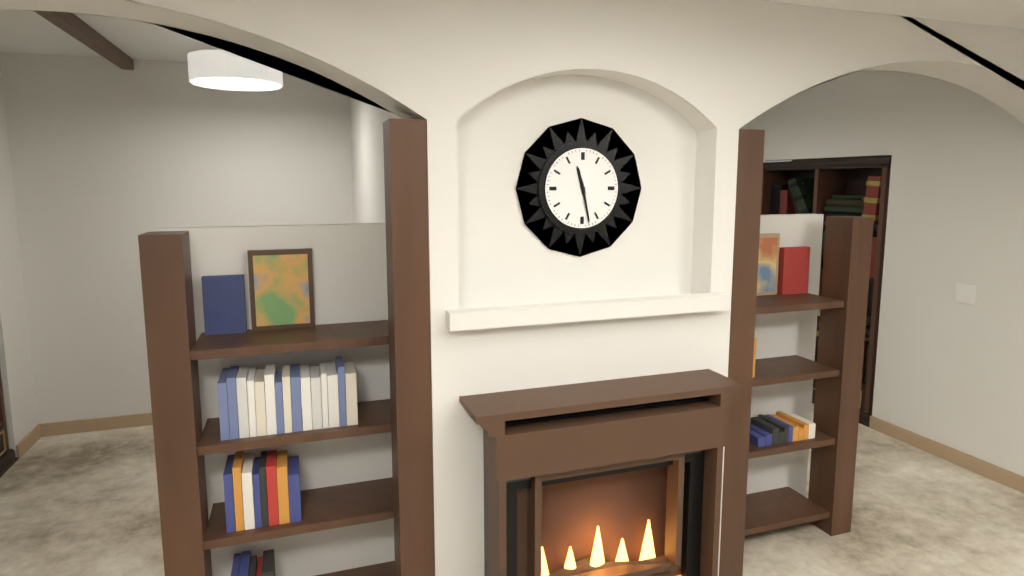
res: 11 h 28 min
